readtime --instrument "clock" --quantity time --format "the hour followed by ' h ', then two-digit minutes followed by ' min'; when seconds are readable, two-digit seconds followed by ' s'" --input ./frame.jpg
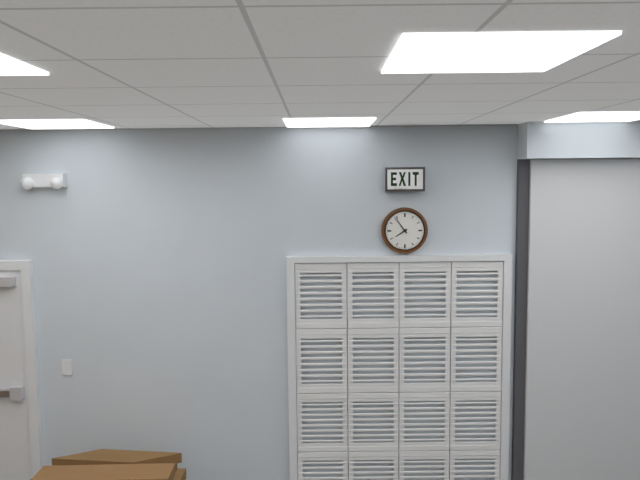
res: 7 h 54 min
